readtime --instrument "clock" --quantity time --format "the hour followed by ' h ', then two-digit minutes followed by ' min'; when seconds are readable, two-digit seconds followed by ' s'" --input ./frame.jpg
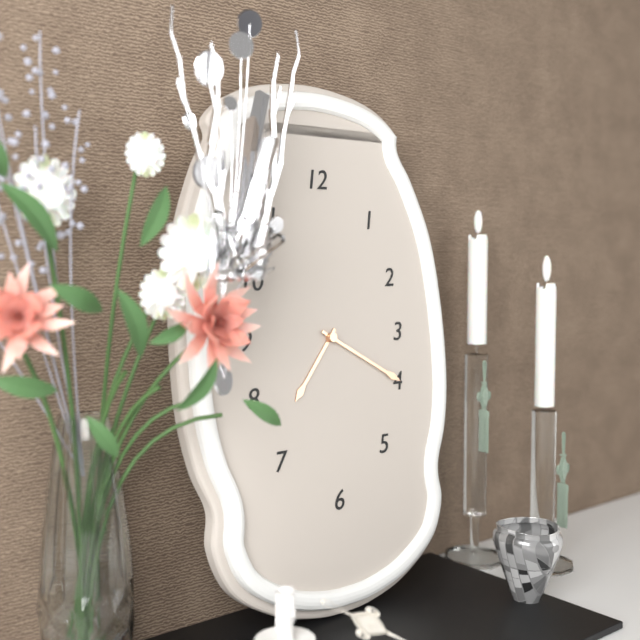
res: 7 h 20 min
